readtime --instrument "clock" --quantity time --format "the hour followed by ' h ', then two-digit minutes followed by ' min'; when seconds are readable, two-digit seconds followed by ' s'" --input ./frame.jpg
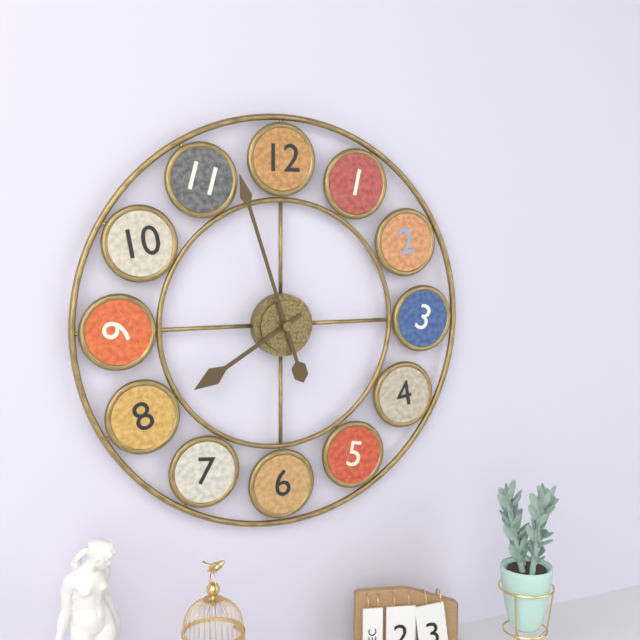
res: 7 h 57 min
